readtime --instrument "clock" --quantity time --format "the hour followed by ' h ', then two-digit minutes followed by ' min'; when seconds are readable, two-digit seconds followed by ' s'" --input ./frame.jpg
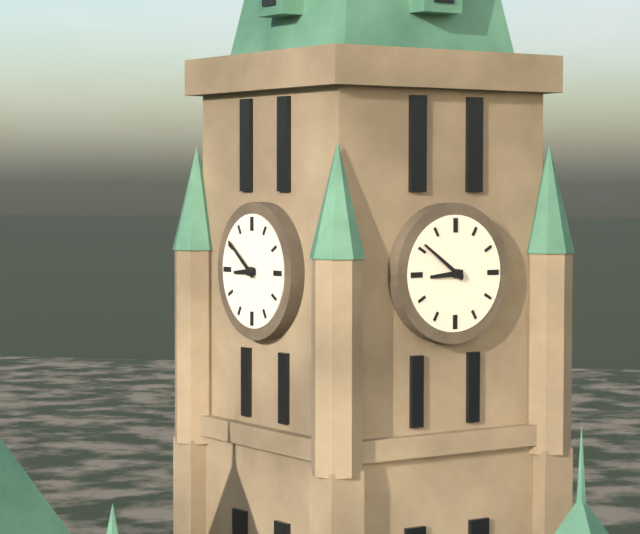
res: 8 h 51 min
